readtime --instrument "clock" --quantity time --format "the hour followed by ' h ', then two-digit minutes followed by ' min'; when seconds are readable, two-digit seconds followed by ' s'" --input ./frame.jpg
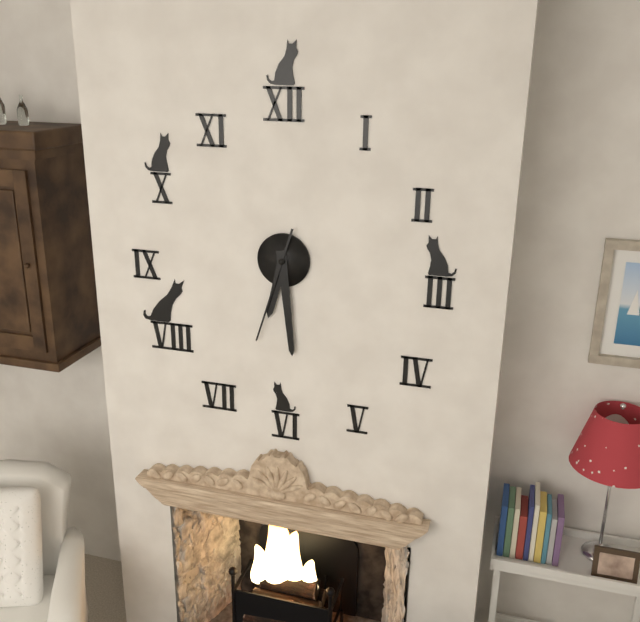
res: 6 h 29 min 33 s
